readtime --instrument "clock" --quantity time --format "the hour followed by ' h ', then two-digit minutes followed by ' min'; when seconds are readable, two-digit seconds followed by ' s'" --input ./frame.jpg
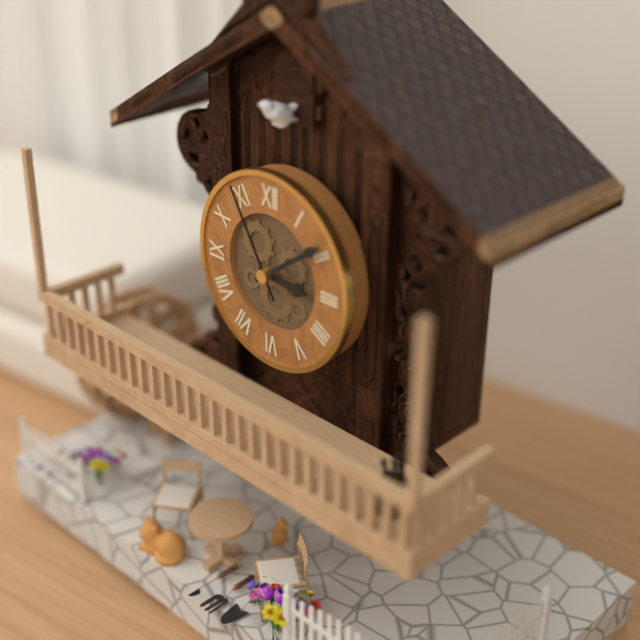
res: 3 h 09 min 55 s
